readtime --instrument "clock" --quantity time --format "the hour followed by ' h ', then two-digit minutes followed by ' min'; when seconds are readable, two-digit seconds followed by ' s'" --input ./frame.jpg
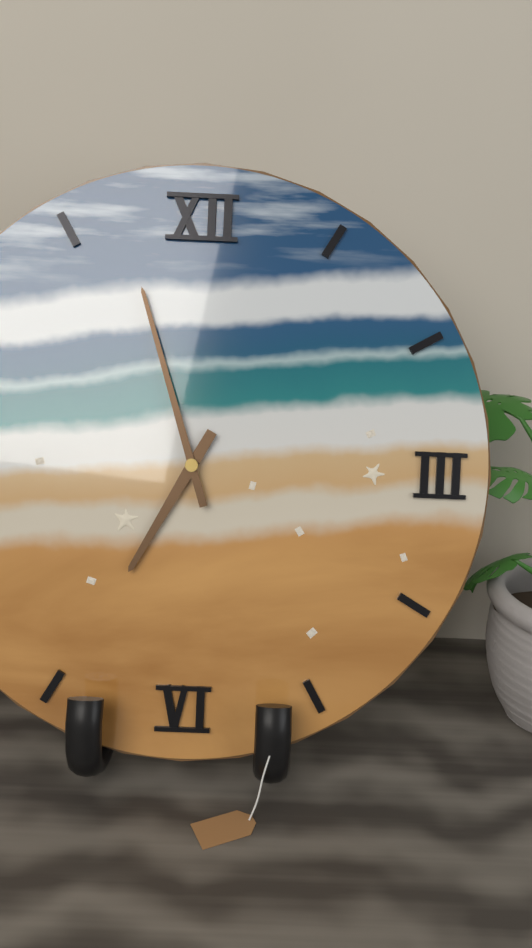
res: 6 h 57 min
